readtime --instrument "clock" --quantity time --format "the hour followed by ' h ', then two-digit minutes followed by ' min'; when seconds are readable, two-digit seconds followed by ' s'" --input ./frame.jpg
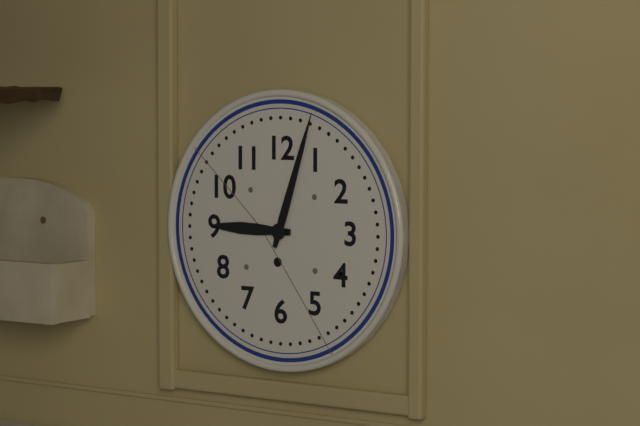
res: 9 h 03 min
